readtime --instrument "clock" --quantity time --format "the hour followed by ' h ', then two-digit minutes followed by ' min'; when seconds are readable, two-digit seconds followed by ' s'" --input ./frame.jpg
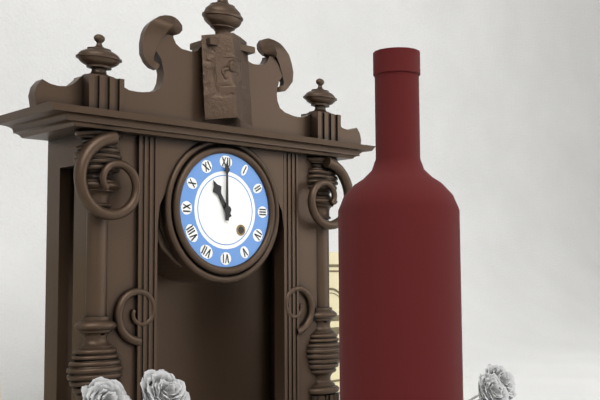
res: 11 h 00 min
